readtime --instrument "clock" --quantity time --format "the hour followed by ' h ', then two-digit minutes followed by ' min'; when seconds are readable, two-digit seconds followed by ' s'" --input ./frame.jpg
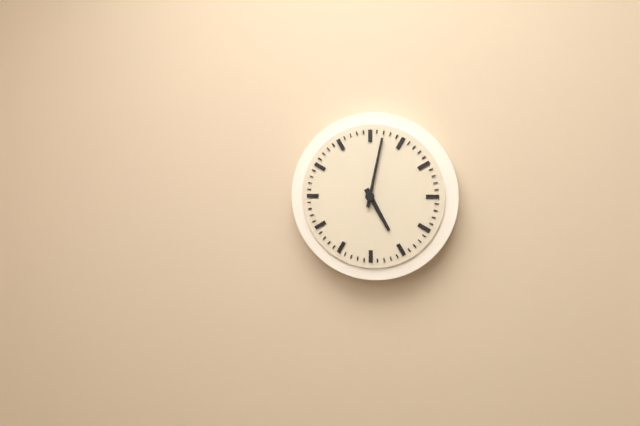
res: 5 h 02 min
